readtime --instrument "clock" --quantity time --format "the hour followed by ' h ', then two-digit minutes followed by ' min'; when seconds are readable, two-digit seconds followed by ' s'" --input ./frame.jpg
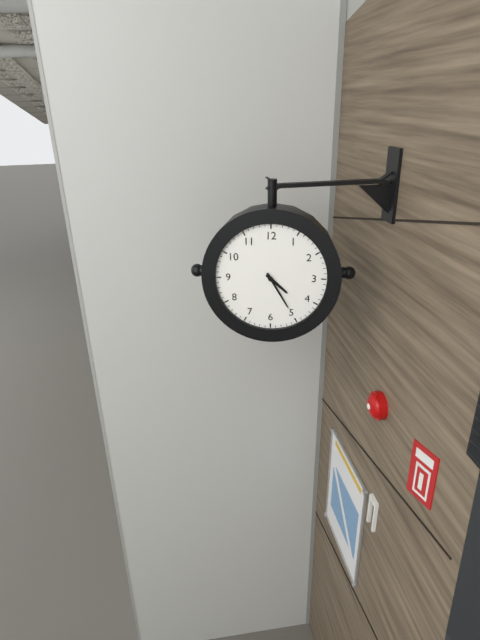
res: 4 h 25 min
